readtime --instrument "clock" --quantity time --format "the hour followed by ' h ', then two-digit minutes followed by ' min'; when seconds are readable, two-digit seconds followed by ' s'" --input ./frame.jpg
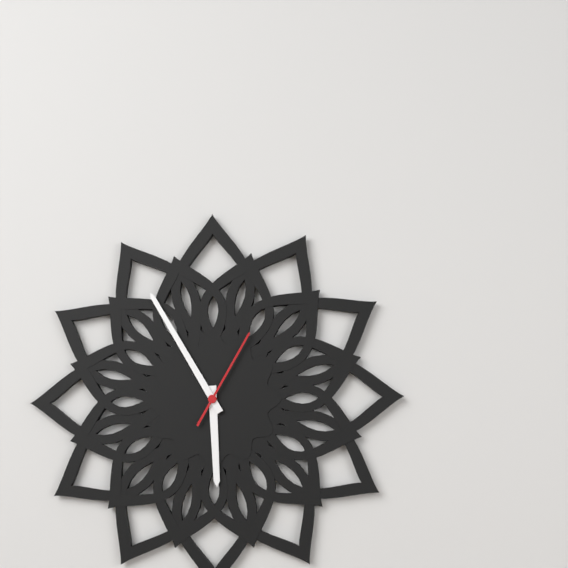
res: 5 h 55 min 05 s
